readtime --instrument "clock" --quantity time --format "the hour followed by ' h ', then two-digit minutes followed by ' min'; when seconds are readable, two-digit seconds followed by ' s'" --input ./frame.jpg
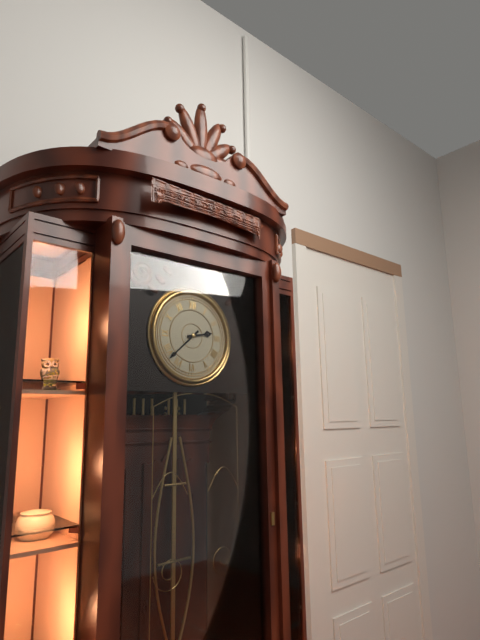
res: 2 h 38 min
